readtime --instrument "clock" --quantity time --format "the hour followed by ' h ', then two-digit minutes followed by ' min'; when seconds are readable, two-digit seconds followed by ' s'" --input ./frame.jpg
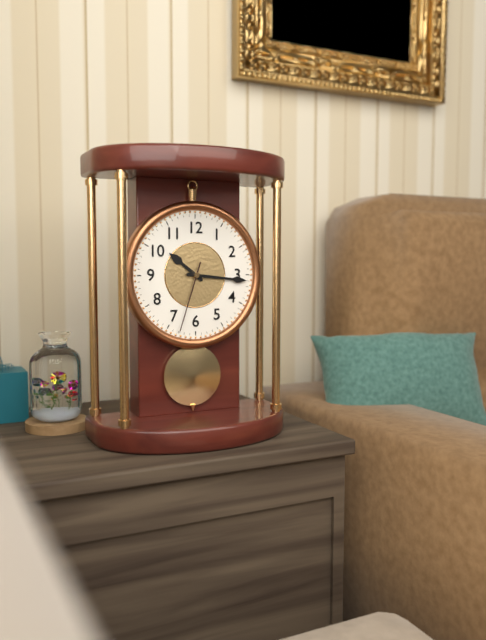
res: 10 h 16 min 33 s
